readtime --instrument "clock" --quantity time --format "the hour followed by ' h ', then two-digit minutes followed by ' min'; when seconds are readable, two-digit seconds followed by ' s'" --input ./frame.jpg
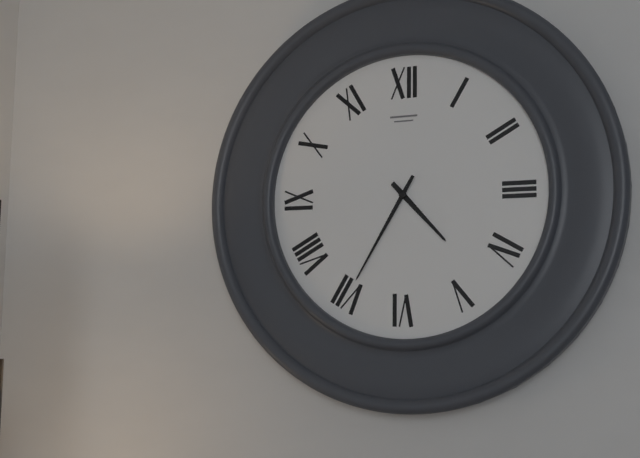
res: 4 h 35 min
